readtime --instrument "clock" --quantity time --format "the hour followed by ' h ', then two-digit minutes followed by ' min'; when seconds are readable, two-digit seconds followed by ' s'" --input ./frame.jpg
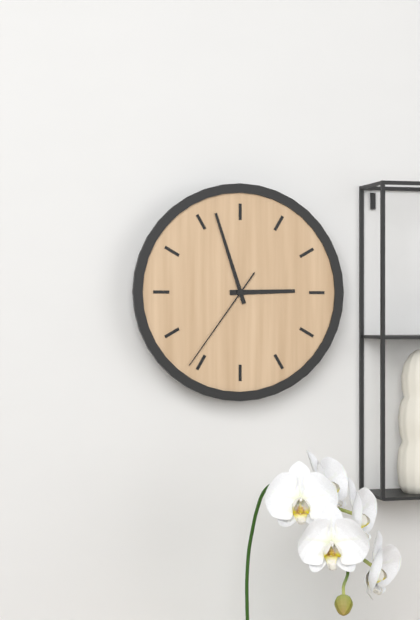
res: 2 h 57 min 36 s
